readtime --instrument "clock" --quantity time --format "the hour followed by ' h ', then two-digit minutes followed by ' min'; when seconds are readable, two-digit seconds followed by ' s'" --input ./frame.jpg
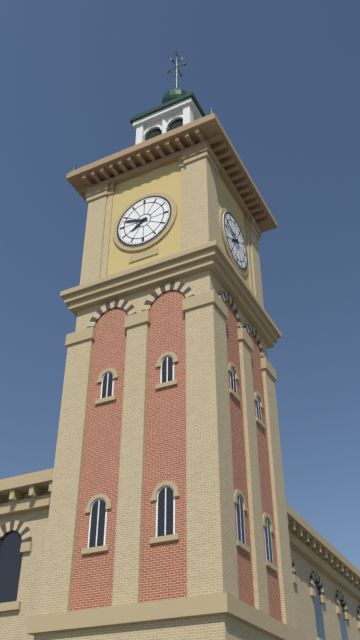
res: 7 h 48 min
